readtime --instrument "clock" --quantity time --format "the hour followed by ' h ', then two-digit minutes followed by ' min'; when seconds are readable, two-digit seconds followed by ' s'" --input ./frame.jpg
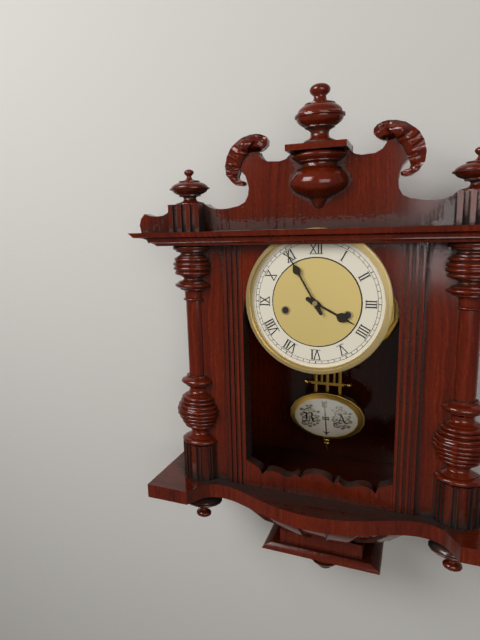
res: 3 h 55 min
